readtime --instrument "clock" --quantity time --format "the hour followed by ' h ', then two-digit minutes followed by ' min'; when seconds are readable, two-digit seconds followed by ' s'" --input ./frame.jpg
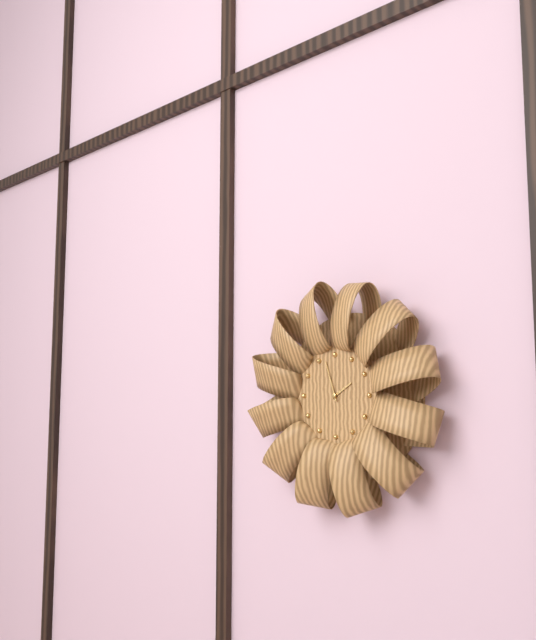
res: 1 h 57 min
